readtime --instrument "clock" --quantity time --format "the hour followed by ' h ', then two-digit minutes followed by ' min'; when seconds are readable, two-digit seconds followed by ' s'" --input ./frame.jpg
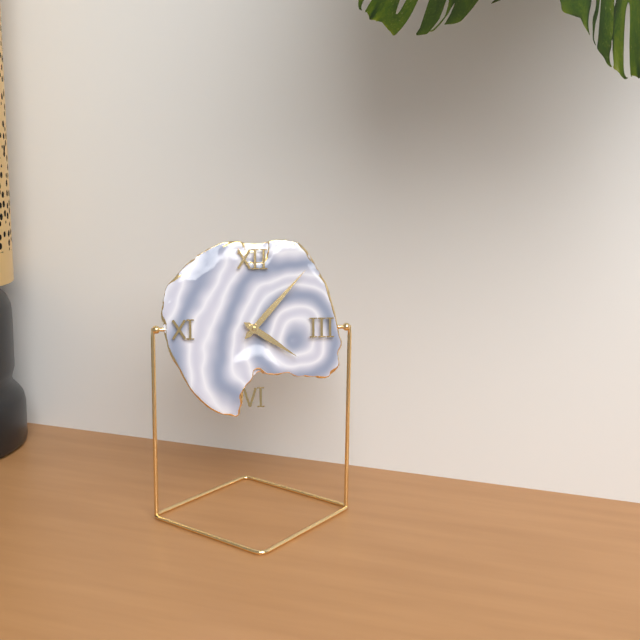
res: 4 h 07 min
